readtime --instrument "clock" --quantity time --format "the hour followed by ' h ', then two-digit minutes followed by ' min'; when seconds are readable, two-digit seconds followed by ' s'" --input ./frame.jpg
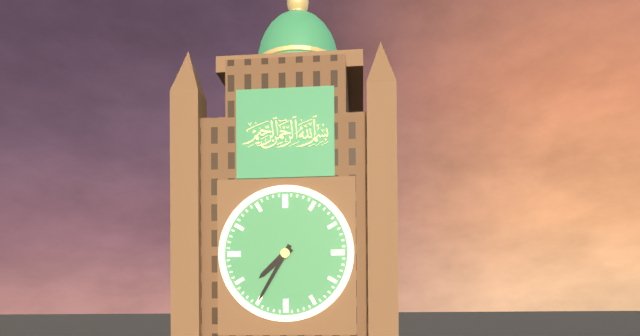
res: 7 h 35 min
